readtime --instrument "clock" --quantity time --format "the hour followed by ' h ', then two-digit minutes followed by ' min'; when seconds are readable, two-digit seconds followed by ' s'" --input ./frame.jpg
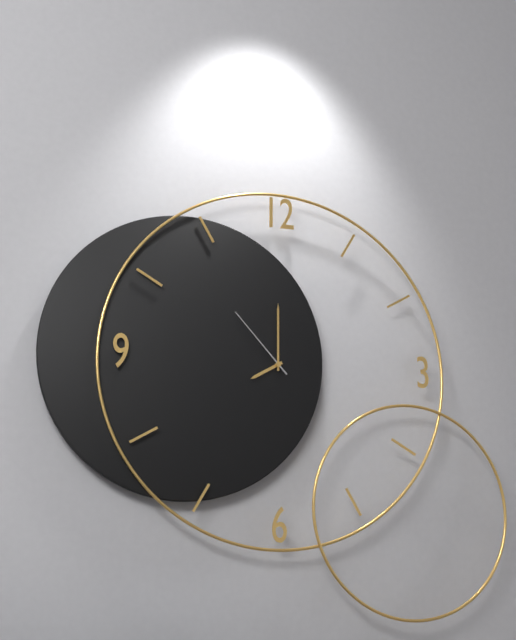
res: 8 h 00 min 53 s
